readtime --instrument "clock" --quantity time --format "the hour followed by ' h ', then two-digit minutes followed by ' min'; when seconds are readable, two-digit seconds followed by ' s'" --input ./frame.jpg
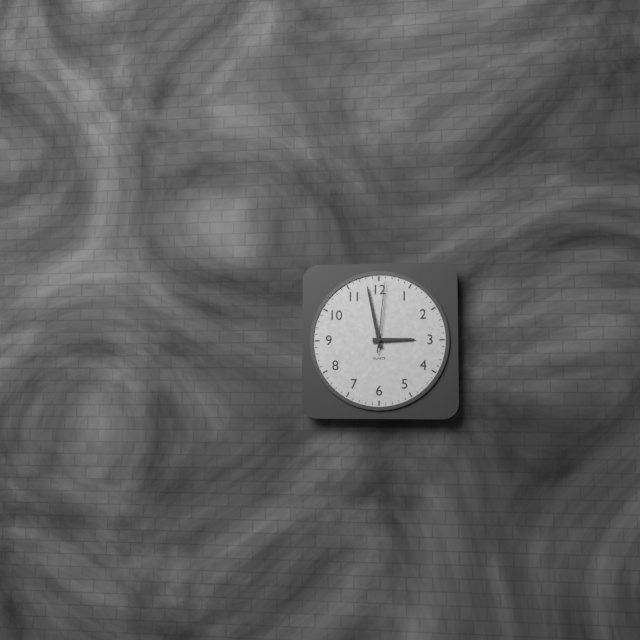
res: 2 h 58 min 01 s
